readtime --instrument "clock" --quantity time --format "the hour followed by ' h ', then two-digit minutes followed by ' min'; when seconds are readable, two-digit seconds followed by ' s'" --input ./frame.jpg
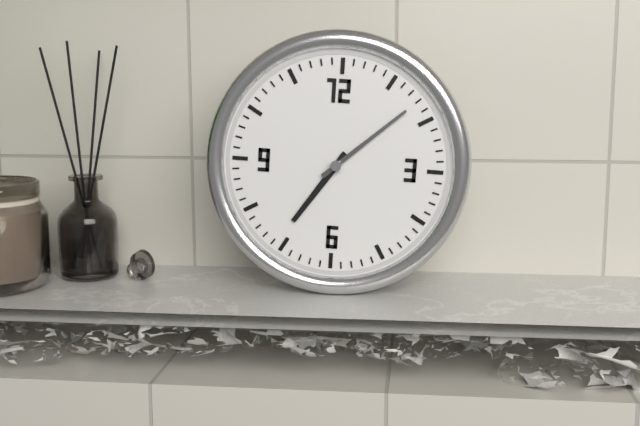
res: 7 h 08 min
